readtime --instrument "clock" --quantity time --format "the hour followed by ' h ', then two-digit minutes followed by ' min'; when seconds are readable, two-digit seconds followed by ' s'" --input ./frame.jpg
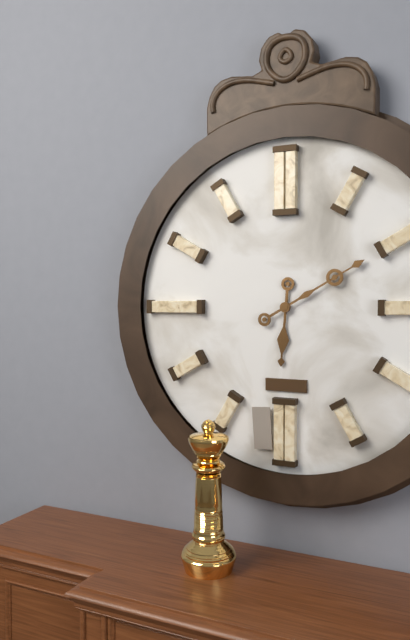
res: 6 h 10 min
